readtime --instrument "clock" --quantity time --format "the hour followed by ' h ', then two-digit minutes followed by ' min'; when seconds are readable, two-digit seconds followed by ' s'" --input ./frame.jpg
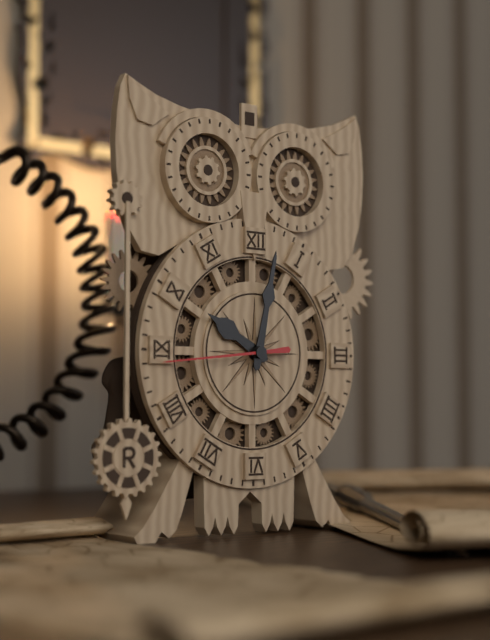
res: 10 h 02 min 44 s
